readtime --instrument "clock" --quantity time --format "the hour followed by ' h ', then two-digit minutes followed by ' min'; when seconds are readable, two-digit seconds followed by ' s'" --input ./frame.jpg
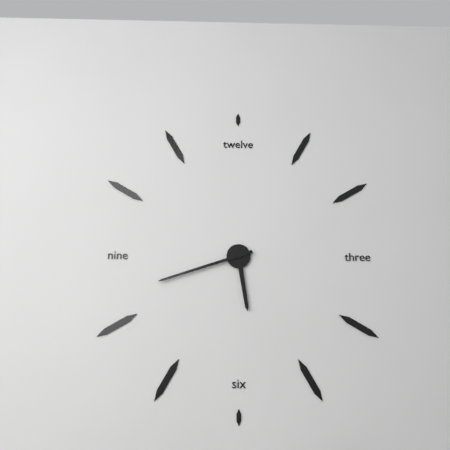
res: 5 h 42 min
